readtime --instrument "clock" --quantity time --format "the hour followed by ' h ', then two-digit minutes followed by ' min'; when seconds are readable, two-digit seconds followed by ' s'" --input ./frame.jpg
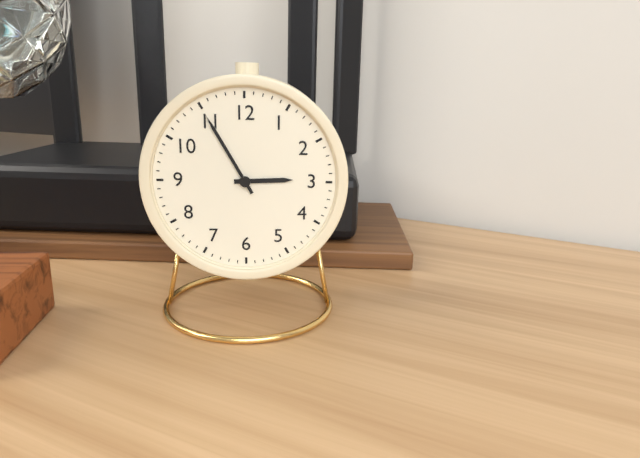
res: 2 h 55 min
